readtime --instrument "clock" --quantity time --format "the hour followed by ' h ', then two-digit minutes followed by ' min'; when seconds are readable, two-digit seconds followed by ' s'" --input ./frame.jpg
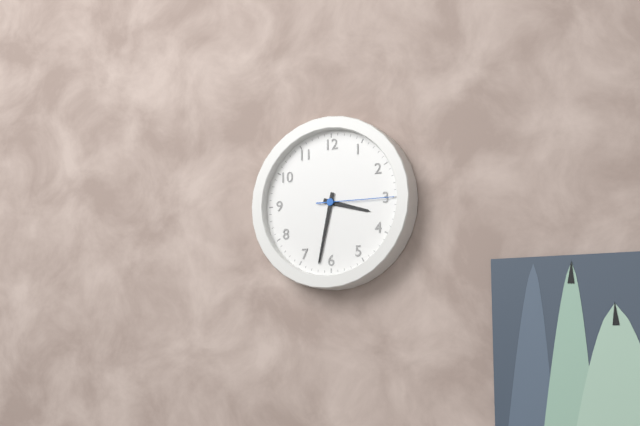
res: 3 h 32 min 15 s
